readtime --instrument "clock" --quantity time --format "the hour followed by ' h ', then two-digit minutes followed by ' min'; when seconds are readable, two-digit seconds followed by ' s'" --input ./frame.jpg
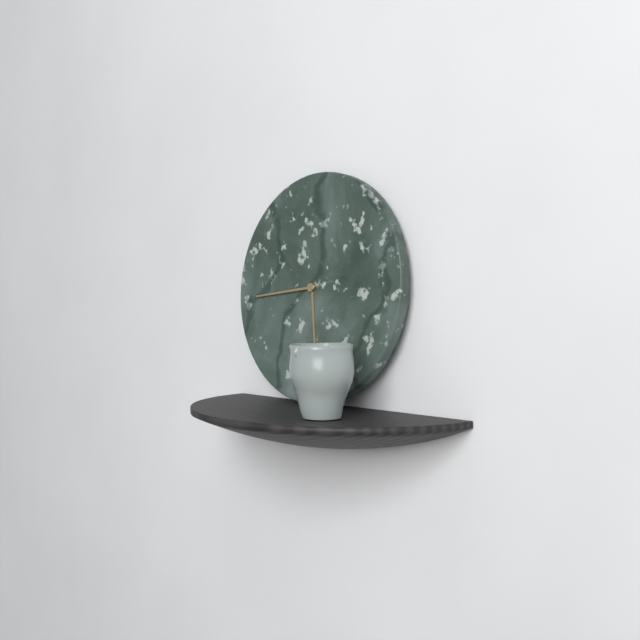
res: 5 h 44 min
